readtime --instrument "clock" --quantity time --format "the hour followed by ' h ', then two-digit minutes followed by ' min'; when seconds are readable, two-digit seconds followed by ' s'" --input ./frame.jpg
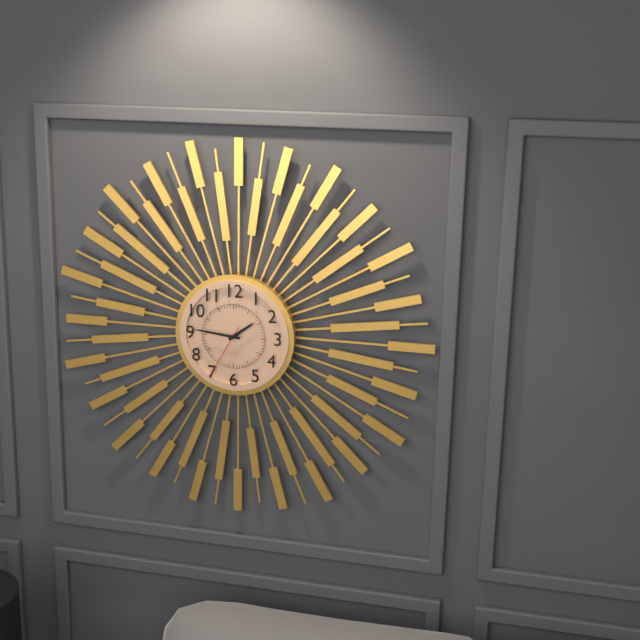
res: 1 h 46 min 35 s
